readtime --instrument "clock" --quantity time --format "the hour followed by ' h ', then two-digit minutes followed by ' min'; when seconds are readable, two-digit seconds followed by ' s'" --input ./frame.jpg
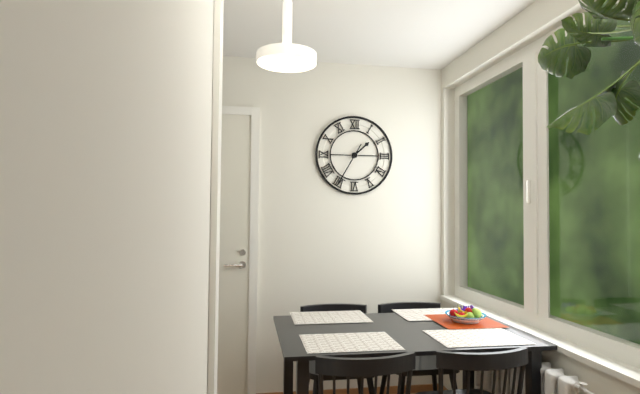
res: 1 h 35 min
